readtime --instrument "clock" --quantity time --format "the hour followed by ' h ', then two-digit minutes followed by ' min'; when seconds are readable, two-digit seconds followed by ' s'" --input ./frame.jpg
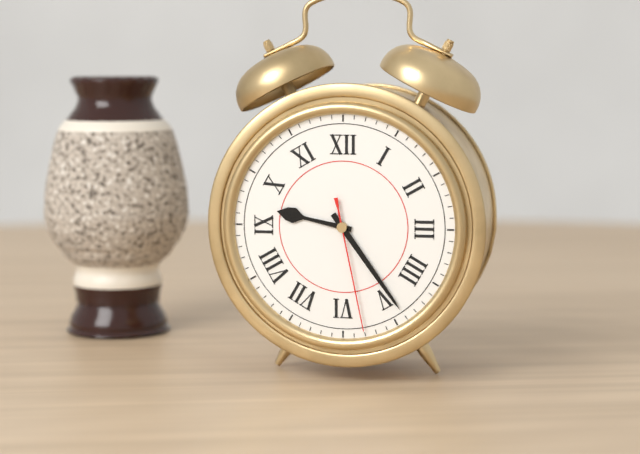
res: 9 h 24 min 28 s
